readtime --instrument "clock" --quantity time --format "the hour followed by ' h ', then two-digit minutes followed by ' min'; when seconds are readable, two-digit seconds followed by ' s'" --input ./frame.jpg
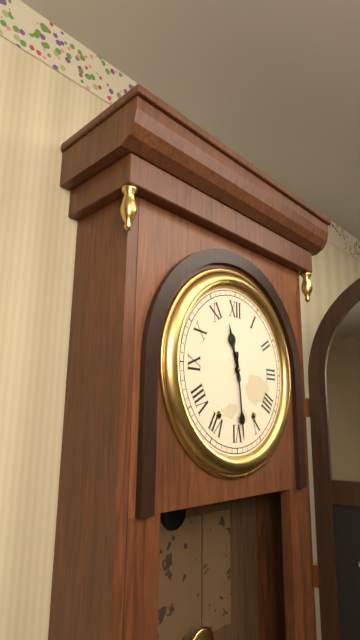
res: 11 h 29 min
